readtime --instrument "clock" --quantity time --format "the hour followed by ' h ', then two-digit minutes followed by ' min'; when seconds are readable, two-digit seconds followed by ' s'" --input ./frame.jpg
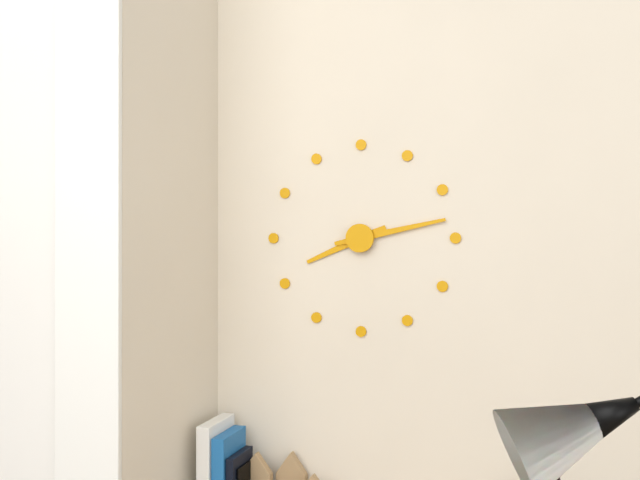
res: 8 h 13 min
